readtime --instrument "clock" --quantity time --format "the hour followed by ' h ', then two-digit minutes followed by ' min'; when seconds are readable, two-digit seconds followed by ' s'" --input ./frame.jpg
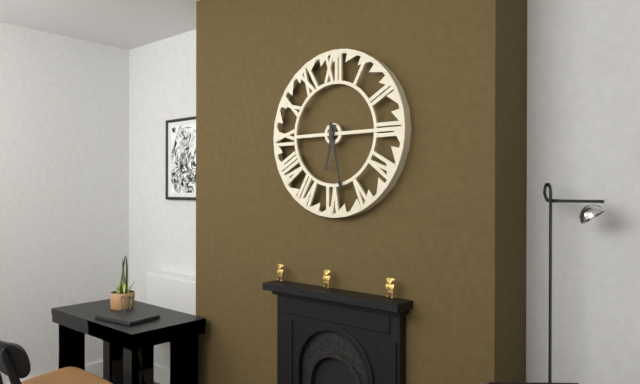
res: 6 h 28 min
